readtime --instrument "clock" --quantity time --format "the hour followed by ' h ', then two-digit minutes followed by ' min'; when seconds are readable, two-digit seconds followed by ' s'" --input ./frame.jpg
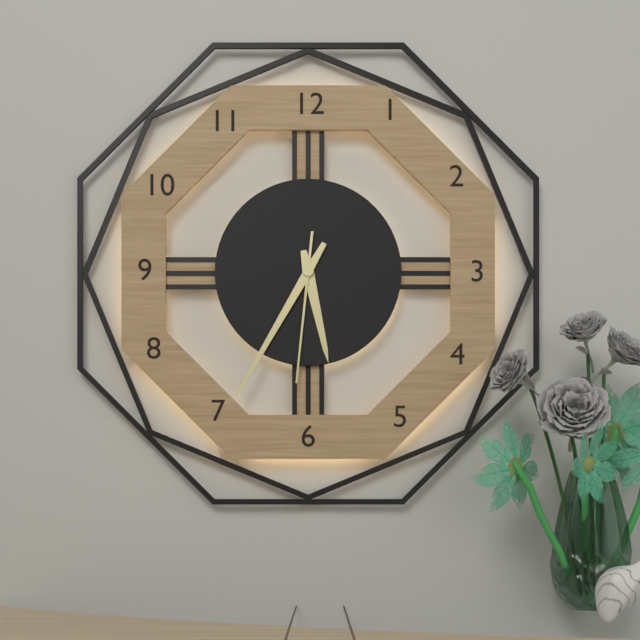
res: 5 h 35 min 31 s
